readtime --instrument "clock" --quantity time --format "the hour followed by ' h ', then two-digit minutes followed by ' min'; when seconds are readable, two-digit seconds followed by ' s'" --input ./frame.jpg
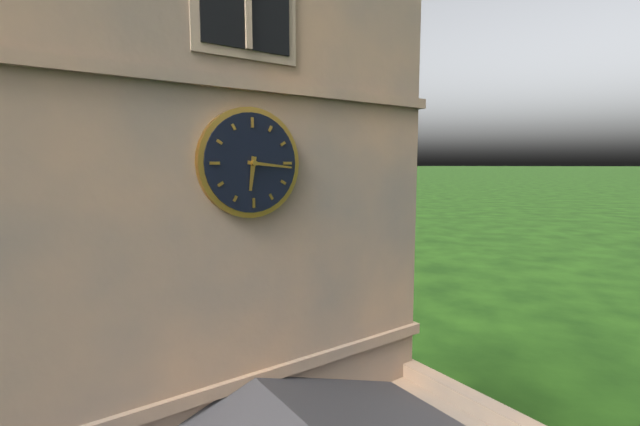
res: 6 h 16 min
